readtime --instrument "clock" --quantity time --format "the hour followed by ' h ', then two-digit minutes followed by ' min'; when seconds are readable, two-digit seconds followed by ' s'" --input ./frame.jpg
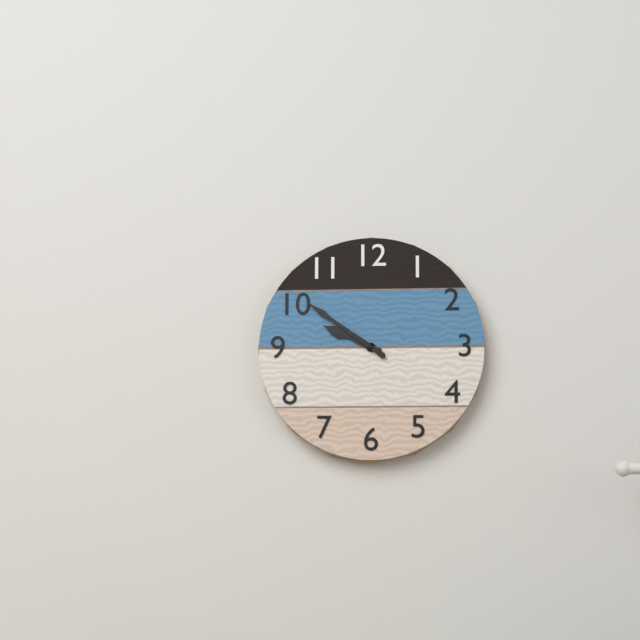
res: 9 h 51 min
